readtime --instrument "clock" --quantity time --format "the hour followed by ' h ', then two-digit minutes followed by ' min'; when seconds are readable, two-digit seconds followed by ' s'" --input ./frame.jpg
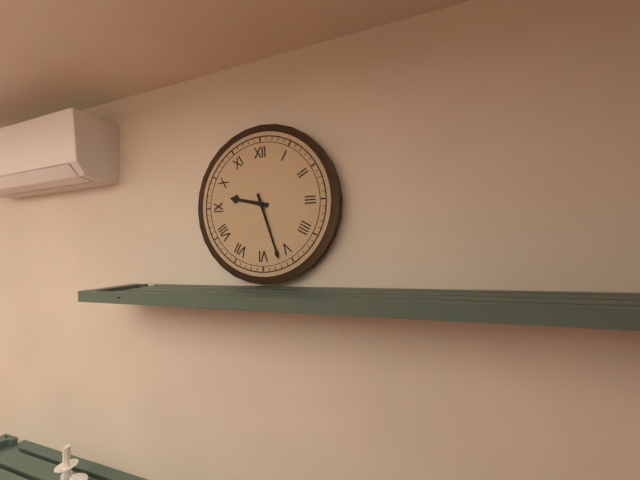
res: 9 h 27 min
